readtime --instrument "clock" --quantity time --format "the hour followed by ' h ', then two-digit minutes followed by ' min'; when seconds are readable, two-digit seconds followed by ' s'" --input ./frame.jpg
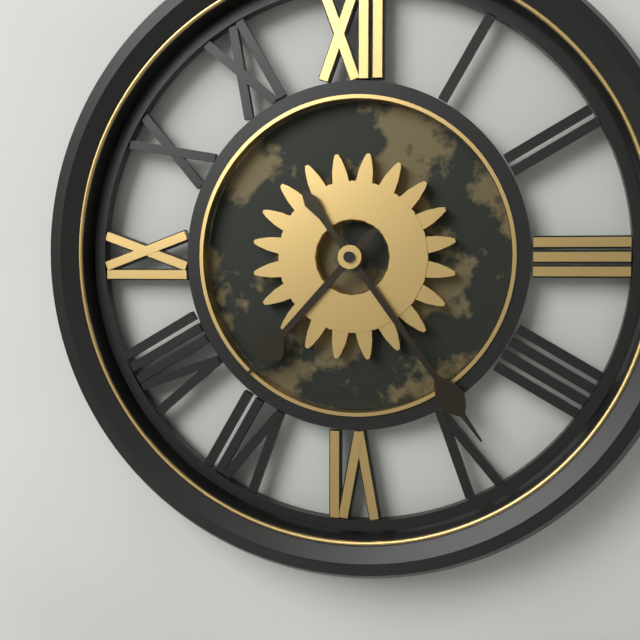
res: 7 h 24 min
